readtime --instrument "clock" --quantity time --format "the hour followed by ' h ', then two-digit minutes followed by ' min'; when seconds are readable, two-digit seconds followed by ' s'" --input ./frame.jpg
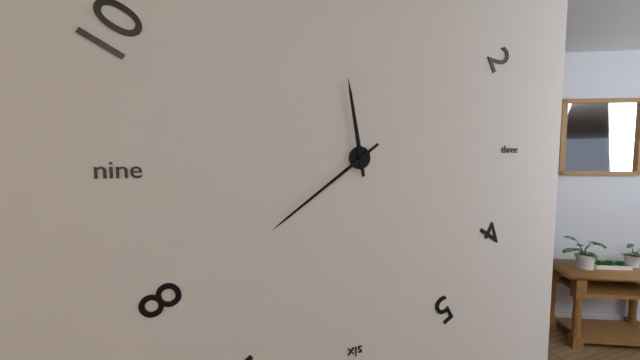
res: 11 h 39 min
